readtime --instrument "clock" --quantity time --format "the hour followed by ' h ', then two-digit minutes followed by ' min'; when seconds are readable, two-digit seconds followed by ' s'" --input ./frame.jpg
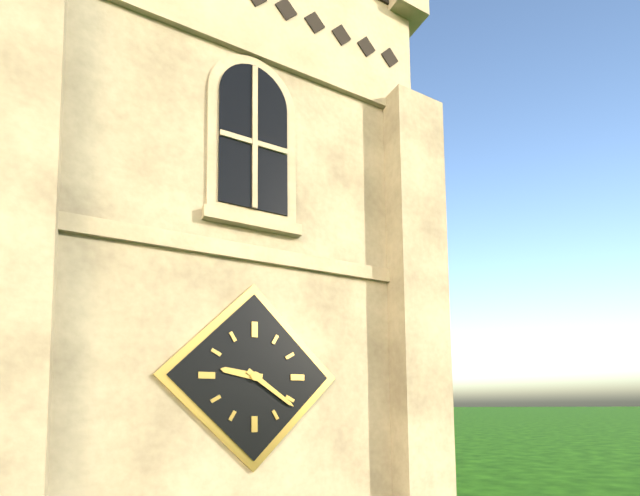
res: 9 h 21 min
